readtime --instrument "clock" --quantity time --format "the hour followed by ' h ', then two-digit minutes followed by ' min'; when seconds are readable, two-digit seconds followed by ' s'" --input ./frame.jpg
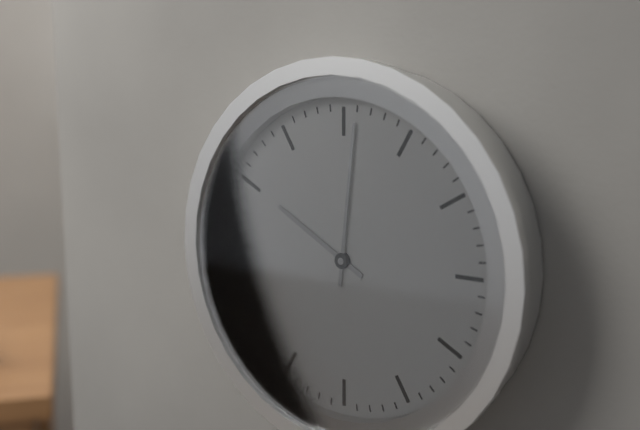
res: 10 h 01 min
